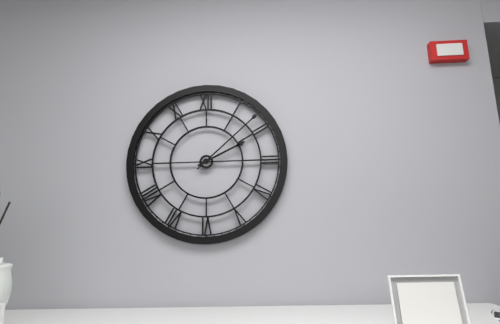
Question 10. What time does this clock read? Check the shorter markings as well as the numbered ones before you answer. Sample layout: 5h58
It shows 2h08
